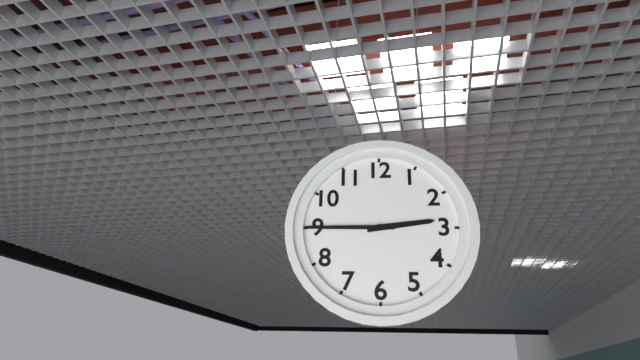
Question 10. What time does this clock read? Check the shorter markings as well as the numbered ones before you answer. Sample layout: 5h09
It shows 2h45
